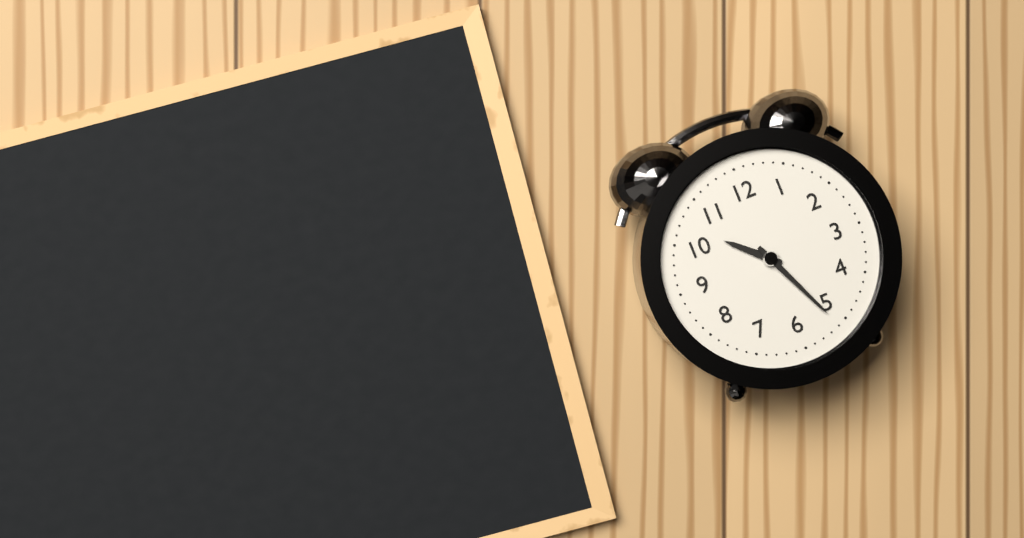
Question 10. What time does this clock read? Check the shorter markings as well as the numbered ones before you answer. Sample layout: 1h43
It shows 10h26
